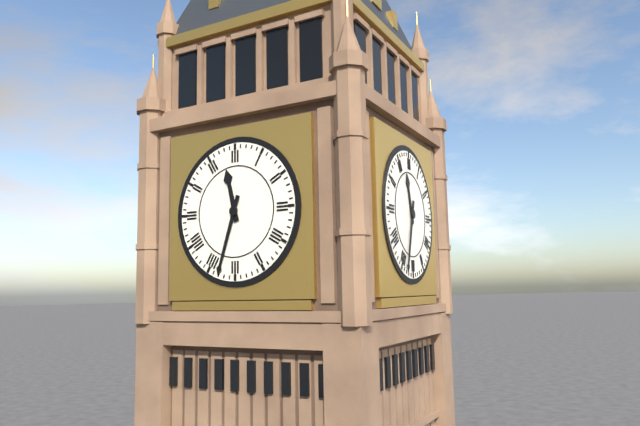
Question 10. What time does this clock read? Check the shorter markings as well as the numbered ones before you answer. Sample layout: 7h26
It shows 11h33
